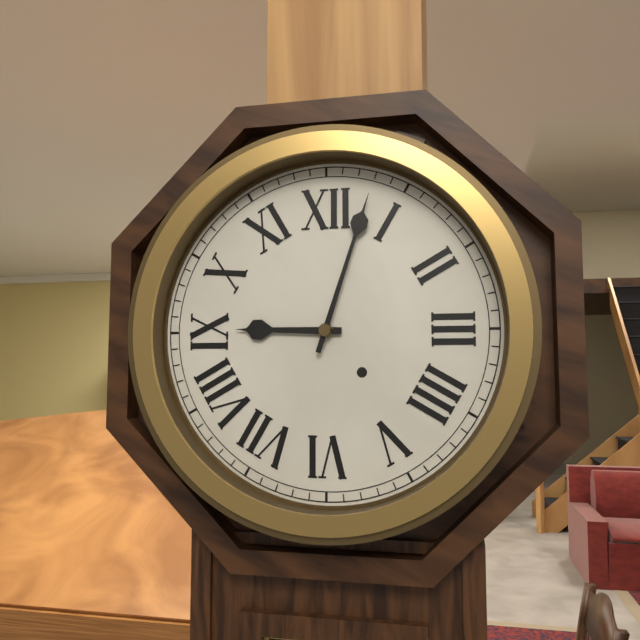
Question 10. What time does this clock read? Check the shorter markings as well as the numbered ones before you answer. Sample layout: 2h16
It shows 9h03
